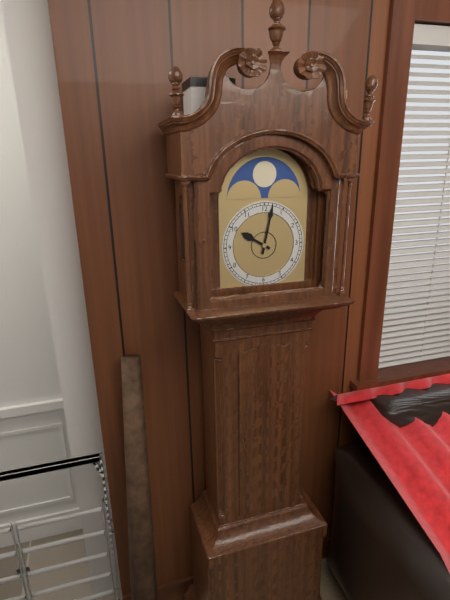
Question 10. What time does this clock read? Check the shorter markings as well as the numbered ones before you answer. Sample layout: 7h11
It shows 10h02
